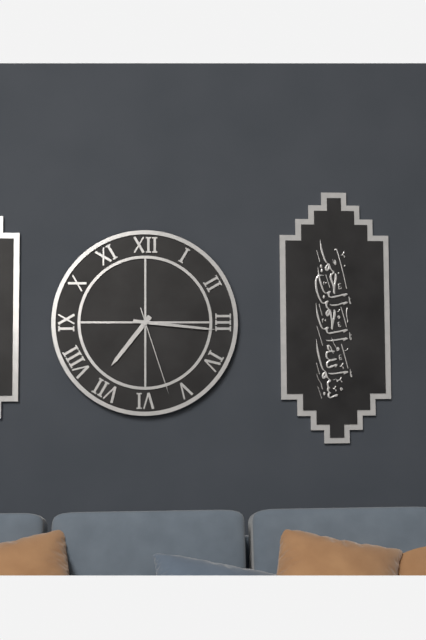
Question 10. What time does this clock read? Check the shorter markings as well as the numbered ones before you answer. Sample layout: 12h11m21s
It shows 7h16m27s
